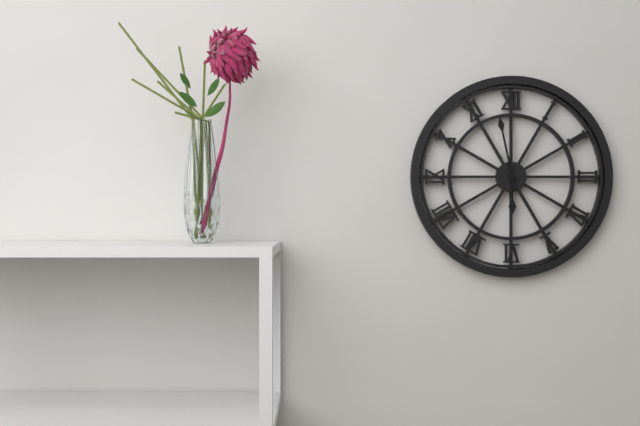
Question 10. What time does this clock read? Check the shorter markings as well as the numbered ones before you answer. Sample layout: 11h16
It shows 5h58
